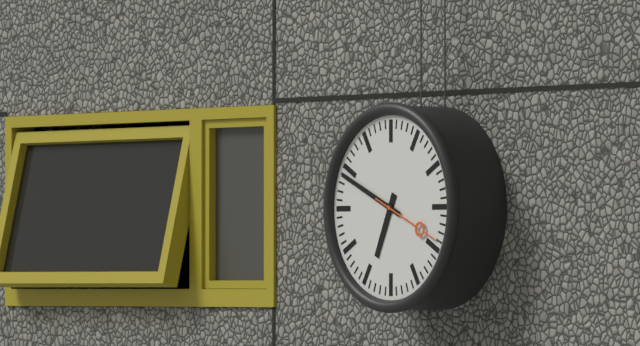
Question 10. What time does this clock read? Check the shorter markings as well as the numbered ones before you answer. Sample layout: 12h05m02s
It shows 6h49m19s
